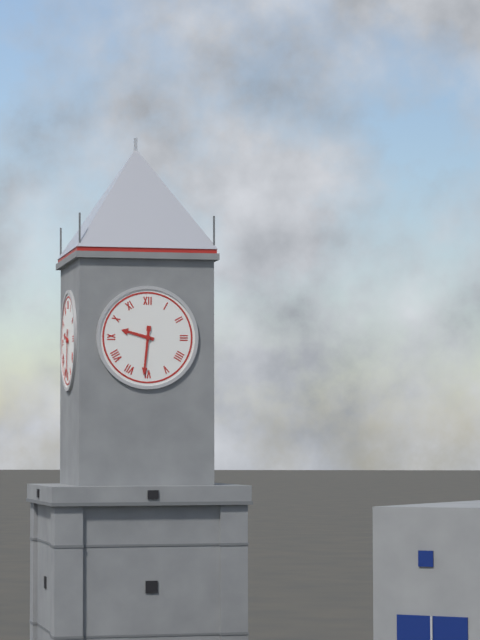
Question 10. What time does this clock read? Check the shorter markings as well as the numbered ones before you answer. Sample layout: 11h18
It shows 9h31
